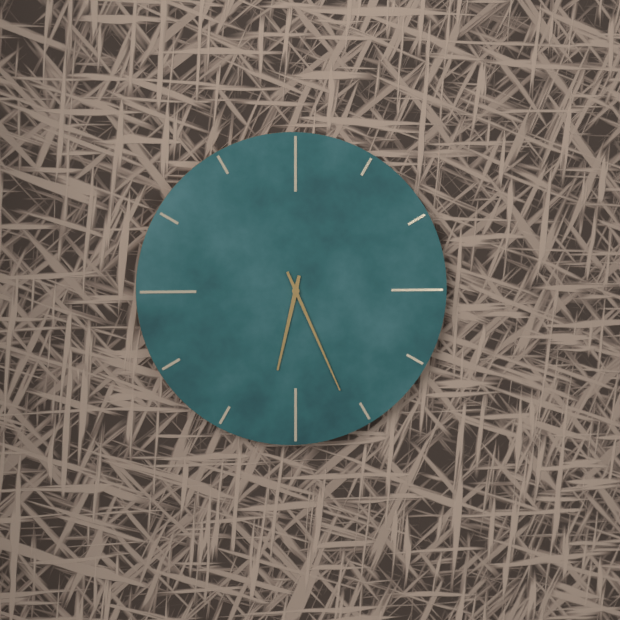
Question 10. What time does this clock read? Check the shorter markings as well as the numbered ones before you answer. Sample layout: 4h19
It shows 6h26
